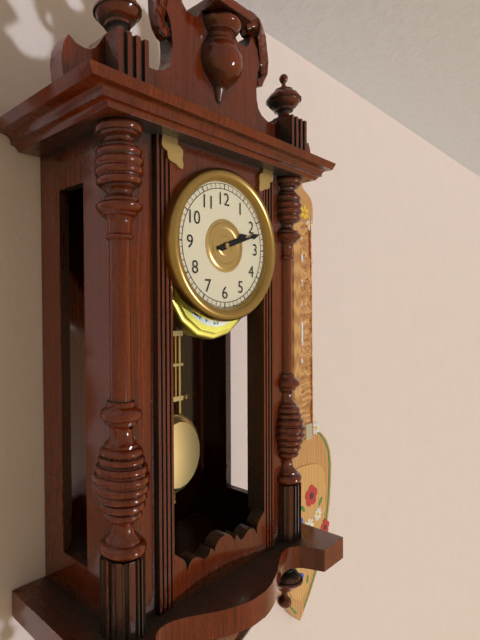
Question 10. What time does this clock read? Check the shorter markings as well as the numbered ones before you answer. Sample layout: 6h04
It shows 2h12
